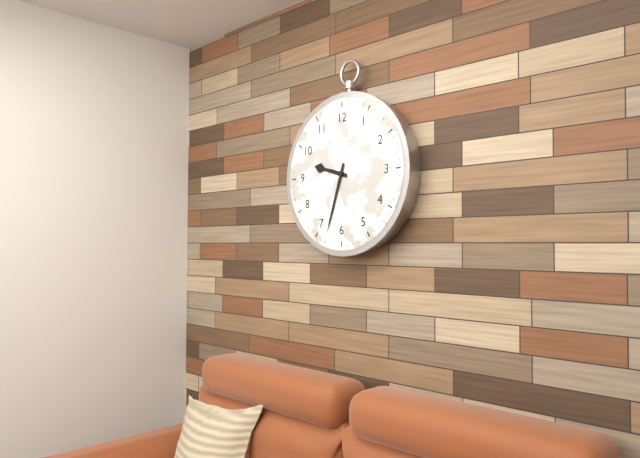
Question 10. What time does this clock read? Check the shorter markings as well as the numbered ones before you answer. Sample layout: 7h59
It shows 9h33
